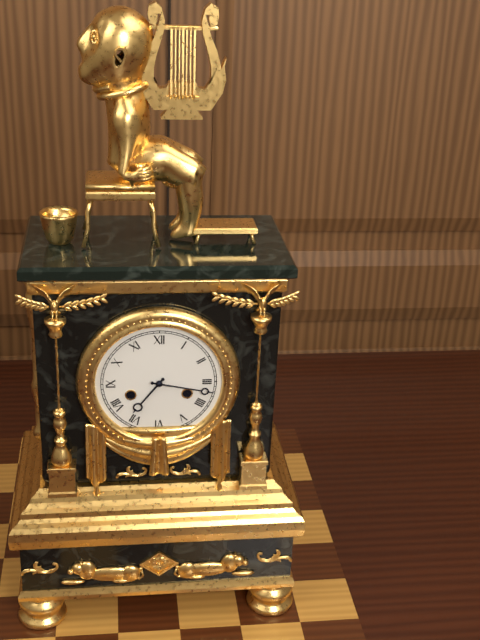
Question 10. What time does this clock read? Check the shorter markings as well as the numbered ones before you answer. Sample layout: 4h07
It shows 7h17
